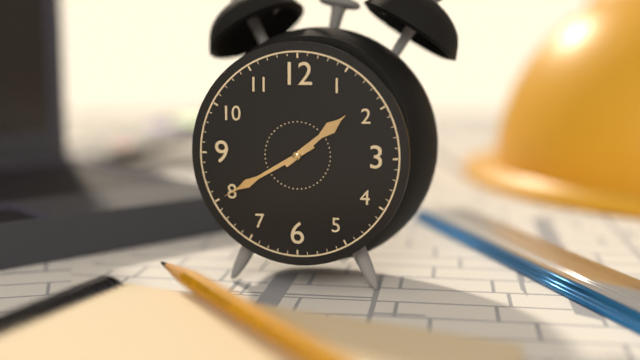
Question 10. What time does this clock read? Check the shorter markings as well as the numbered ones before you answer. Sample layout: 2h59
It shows 1h40
